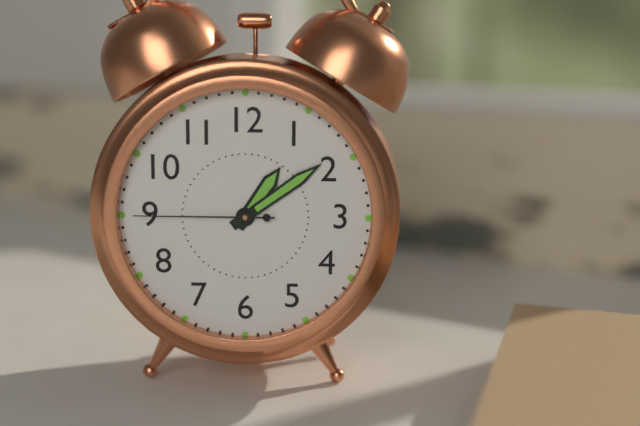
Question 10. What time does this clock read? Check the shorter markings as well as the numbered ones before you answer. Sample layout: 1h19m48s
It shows 1h09m45s
